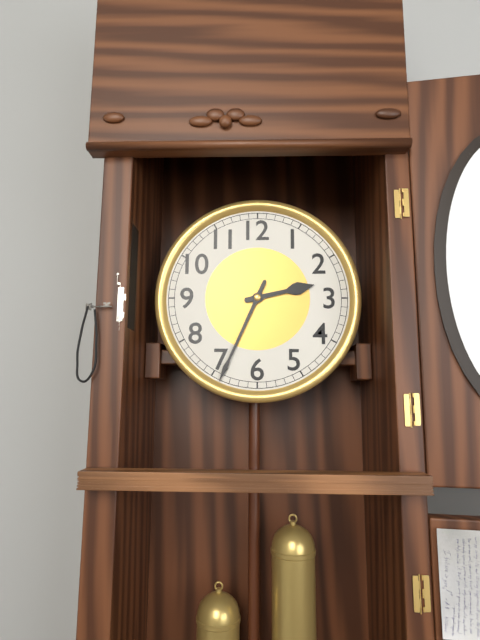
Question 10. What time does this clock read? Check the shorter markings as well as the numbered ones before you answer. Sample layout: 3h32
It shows 2h34
